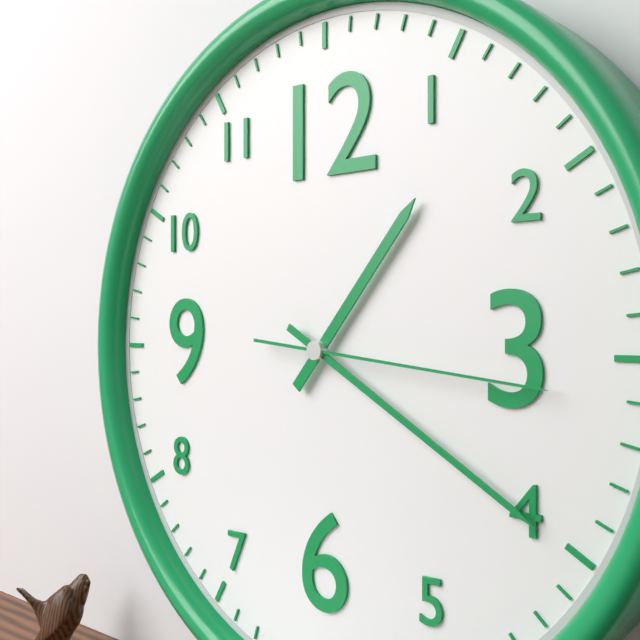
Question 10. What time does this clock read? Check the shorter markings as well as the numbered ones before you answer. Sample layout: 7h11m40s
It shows 1h20m16s
